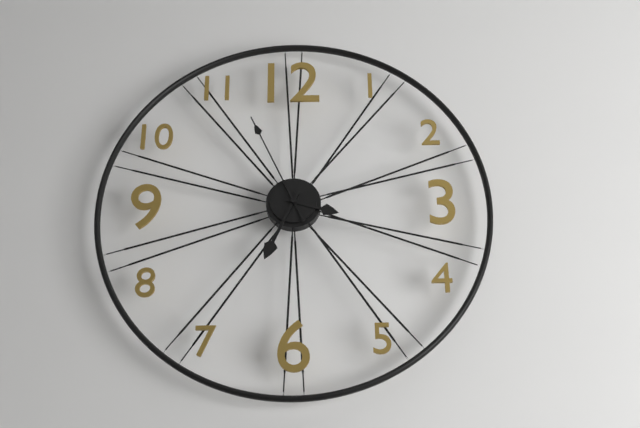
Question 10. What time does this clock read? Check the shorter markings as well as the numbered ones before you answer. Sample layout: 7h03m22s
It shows 3h34m56s
